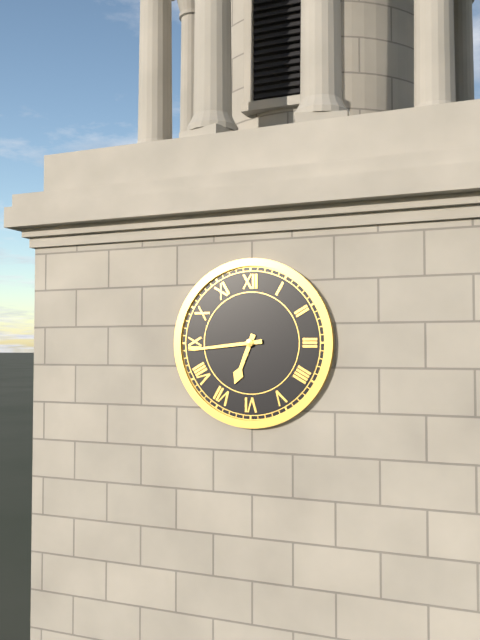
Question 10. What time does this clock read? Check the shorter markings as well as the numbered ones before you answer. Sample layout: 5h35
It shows 6h44
